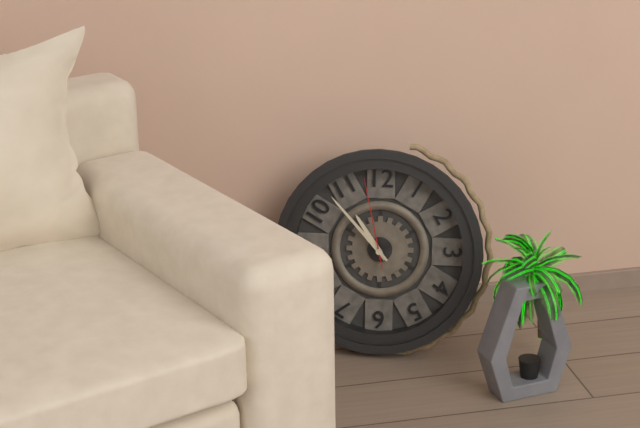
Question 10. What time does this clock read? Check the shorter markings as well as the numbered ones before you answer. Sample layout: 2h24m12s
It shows 10h53m58s
